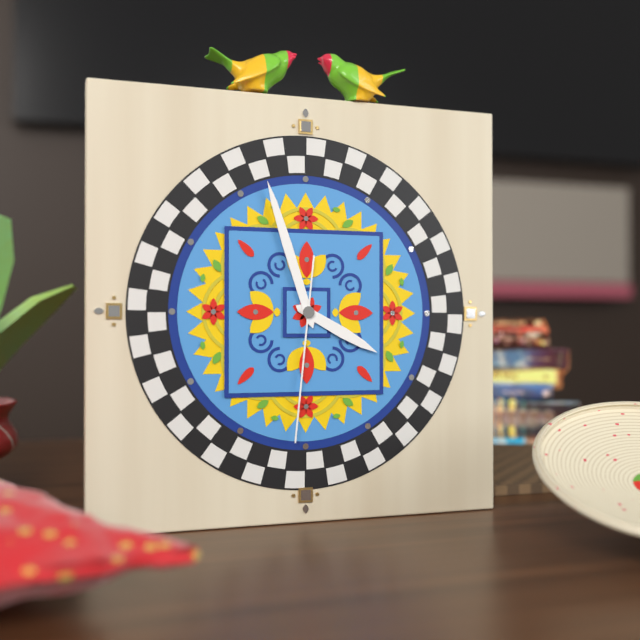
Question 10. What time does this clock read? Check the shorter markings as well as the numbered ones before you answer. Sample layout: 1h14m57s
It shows 3h57m31s
